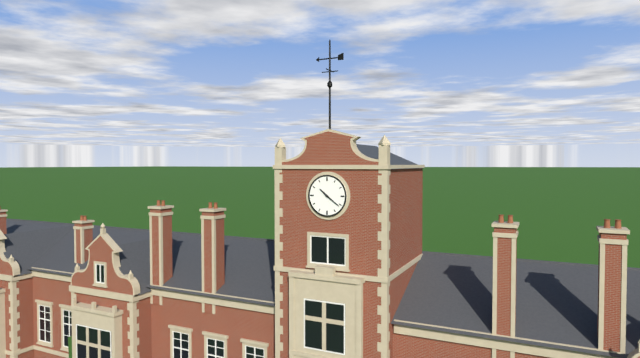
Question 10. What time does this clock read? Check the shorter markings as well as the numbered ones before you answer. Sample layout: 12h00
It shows 10h21
